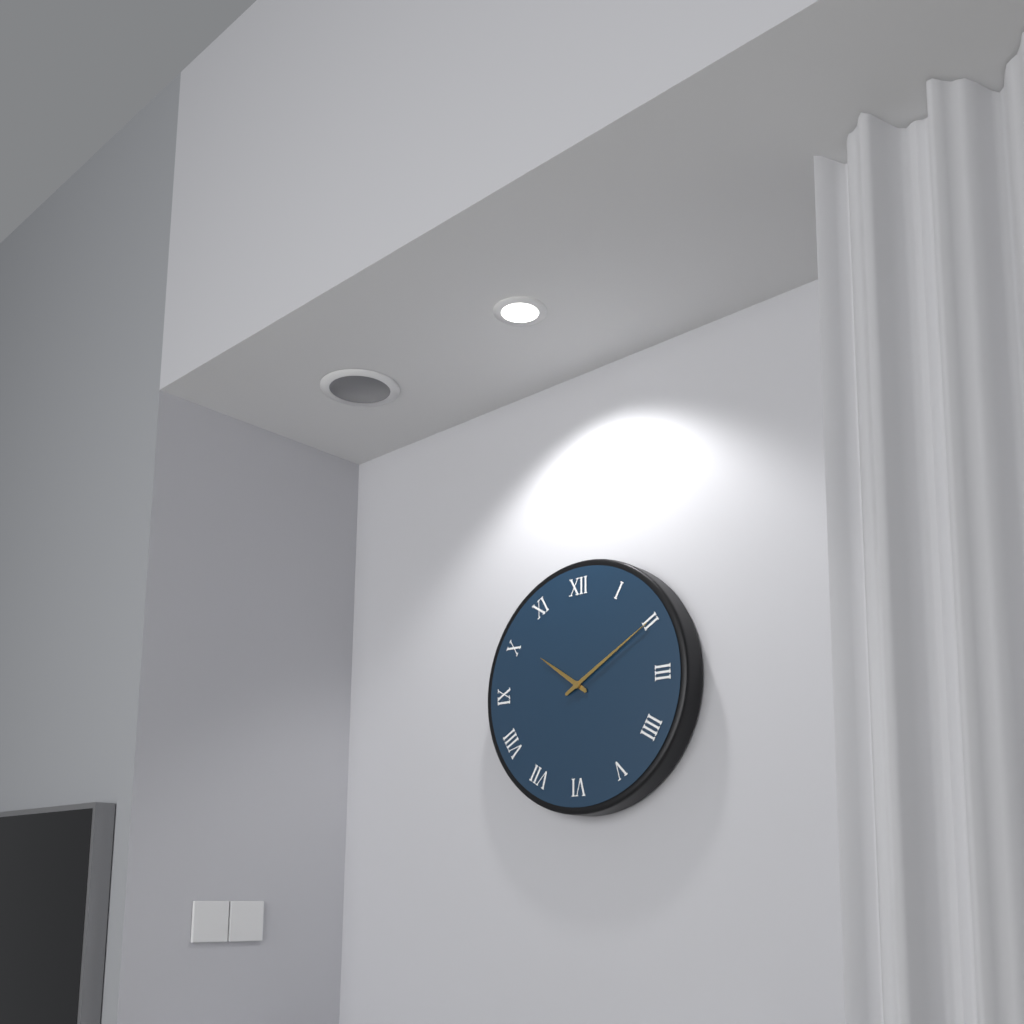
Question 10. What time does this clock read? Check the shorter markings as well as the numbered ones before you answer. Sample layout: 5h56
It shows 10h10
